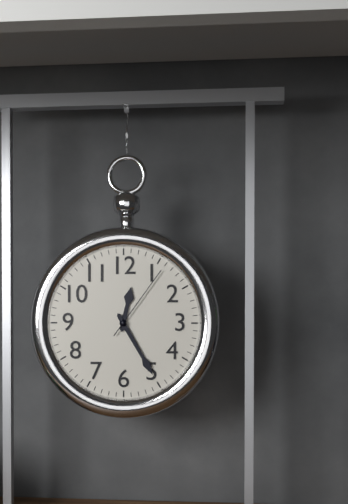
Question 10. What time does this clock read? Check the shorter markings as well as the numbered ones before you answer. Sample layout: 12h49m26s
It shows 12h25m06s
